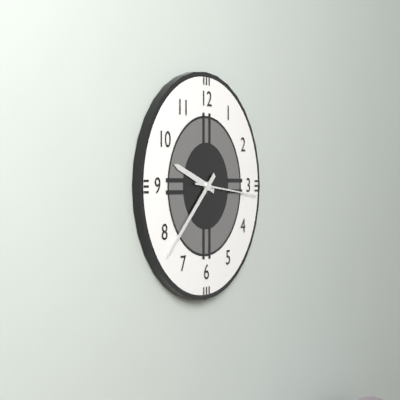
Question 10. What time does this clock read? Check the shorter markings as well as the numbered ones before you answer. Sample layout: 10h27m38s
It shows 9h38m16s
